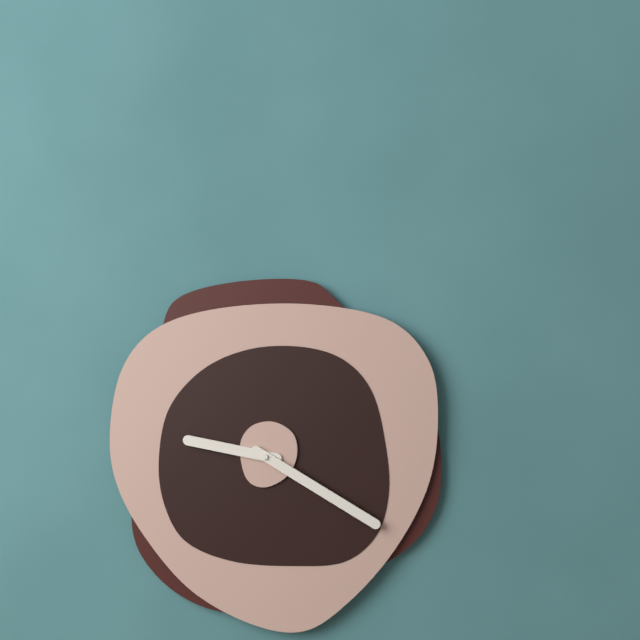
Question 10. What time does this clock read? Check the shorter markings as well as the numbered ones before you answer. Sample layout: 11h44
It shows 9h20
